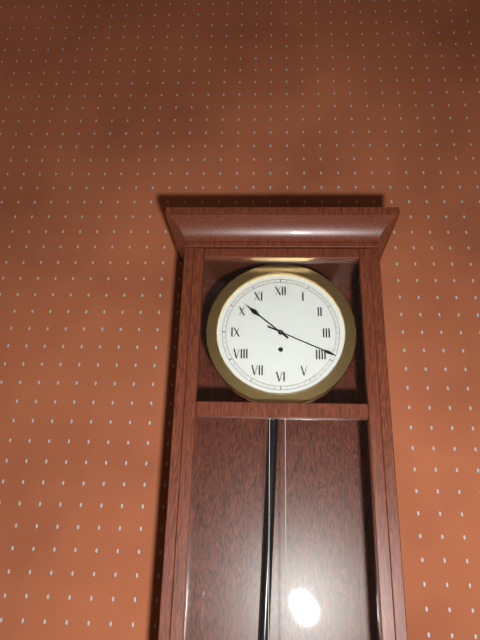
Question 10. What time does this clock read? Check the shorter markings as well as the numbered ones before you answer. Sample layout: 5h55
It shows 10h19
